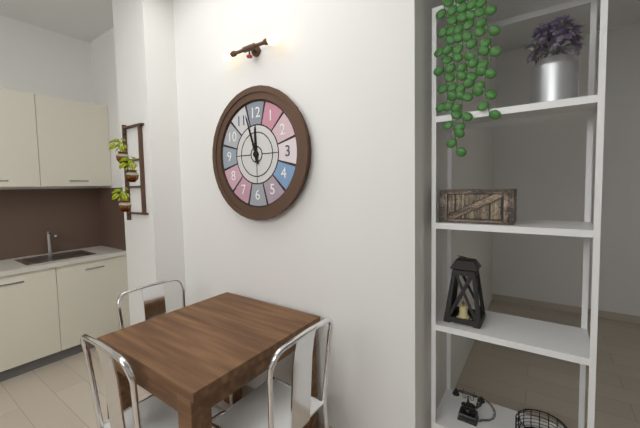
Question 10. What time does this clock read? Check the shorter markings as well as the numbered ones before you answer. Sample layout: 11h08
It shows 11h57
